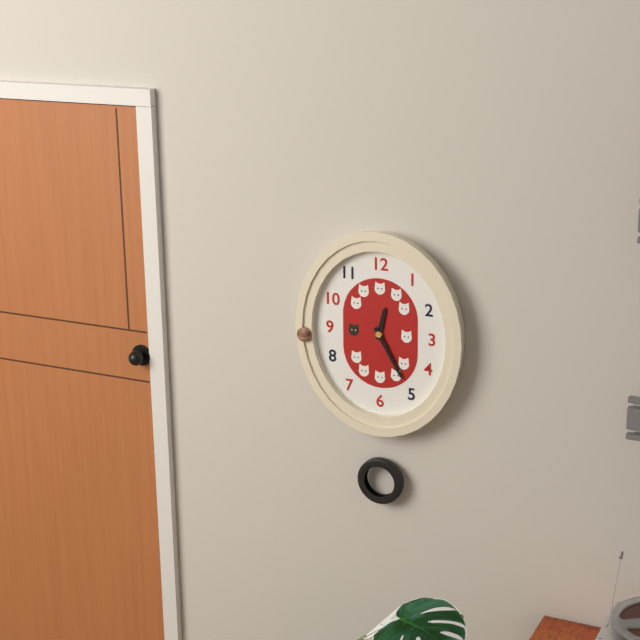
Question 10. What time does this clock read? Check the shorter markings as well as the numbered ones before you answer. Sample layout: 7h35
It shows 12h25
